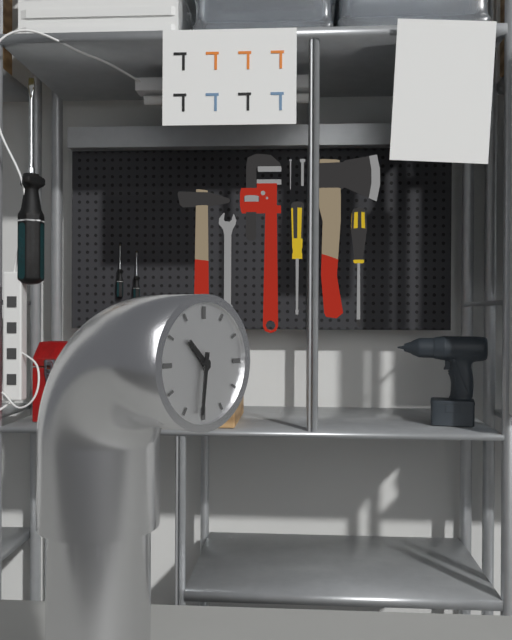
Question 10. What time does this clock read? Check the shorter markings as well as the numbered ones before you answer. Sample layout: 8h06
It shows 10h31
